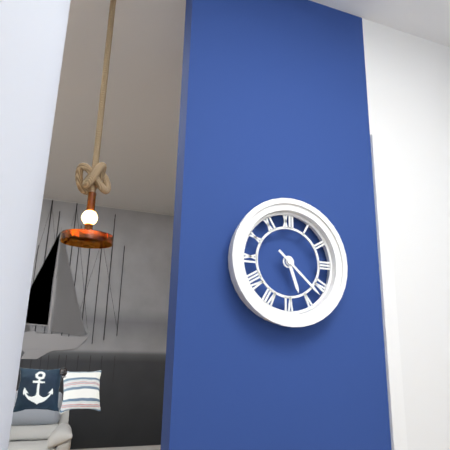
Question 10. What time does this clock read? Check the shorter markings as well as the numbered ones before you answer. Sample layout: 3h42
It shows 5h22
